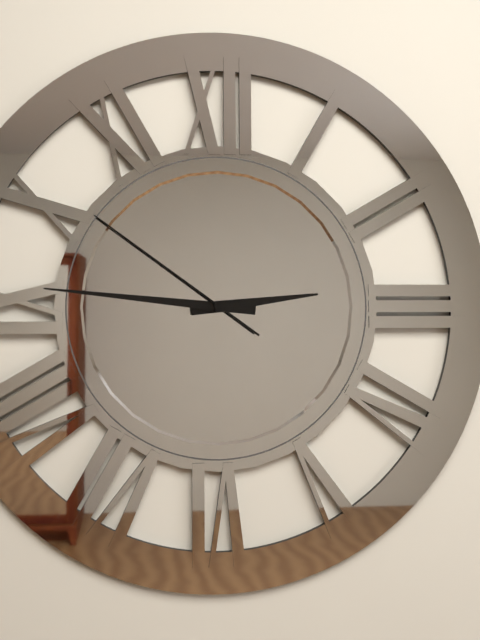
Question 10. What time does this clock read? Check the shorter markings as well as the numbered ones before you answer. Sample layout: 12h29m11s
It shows 2h46m51s
